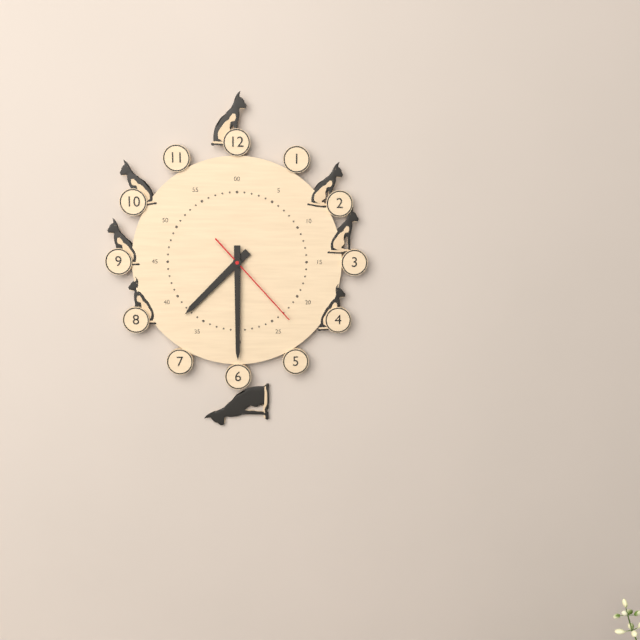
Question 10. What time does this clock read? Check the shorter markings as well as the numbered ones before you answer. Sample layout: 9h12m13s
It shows 7h30m23s
